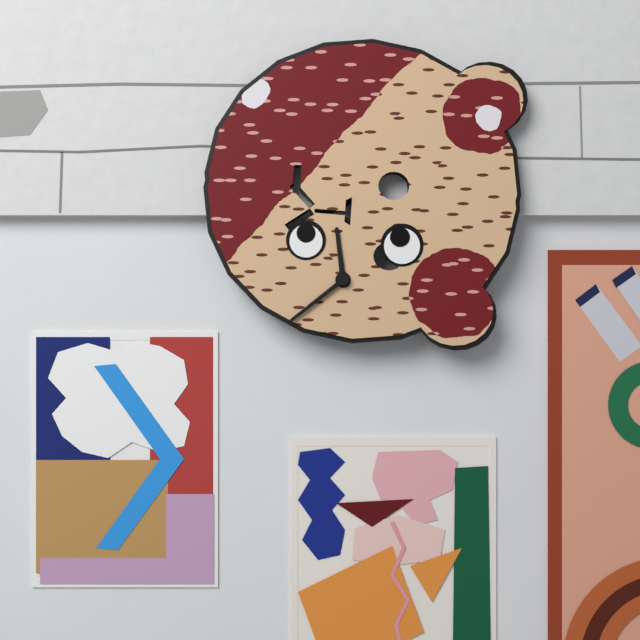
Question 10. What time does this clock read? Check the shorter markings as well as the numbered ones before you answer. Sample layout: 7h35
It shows 11h38
